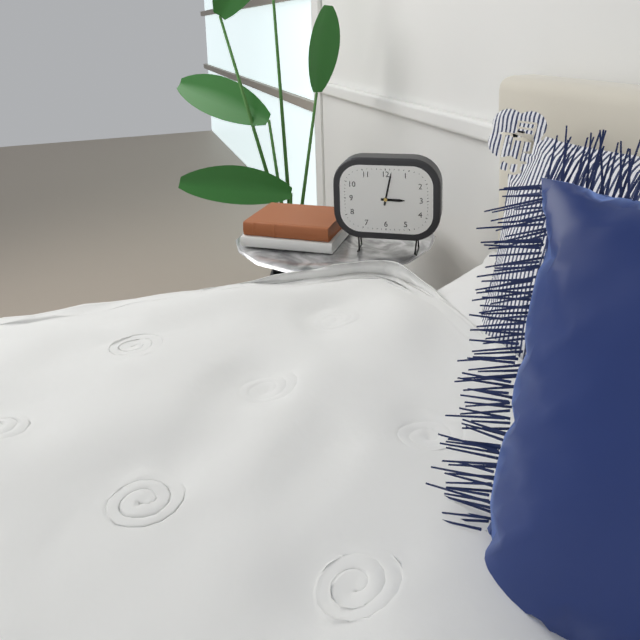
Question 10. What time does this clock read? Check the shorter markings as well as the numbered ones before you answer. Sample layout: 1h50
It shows 3h02
